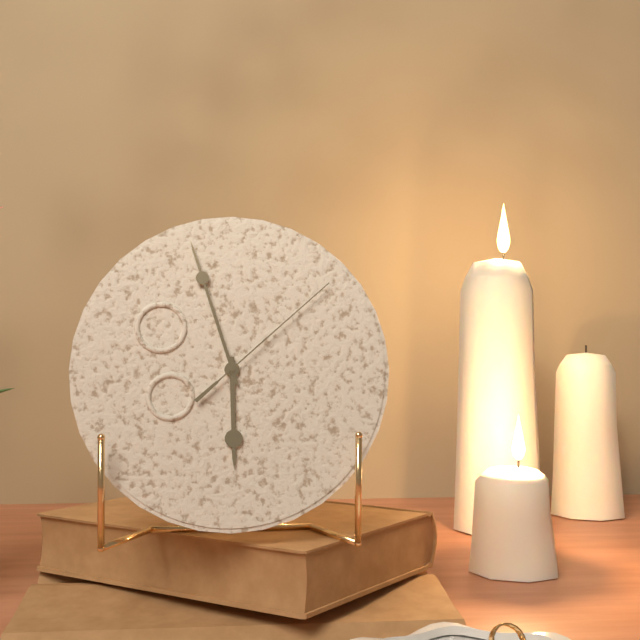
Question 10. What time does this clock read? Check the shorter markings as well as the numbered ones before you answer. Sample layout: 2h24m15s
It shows 5h57m08s
